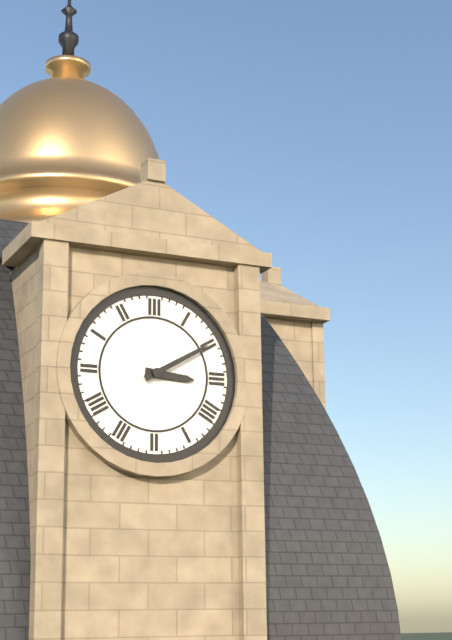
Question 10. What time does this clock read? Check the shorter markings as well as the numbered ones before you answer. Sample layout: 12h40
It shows 3h10
